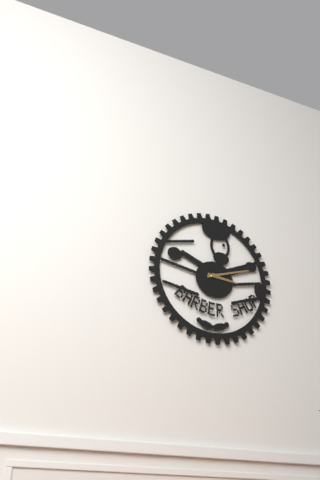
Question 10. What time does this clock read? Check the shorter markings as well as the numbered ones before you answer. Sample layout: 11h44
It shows 3h12
